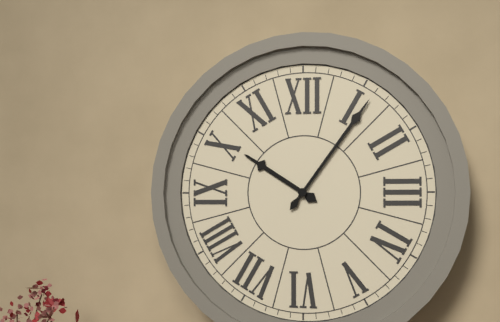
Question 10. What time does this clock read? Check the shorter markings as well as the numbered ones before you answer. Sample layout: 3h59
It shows 10h06
